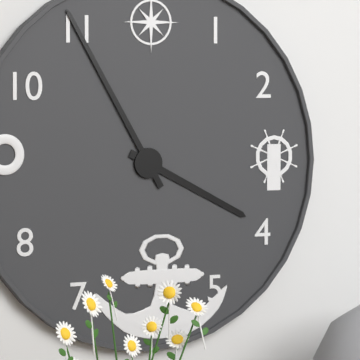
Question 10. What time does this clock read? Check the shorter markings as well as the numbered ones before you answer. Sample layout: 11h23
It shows 3h55
